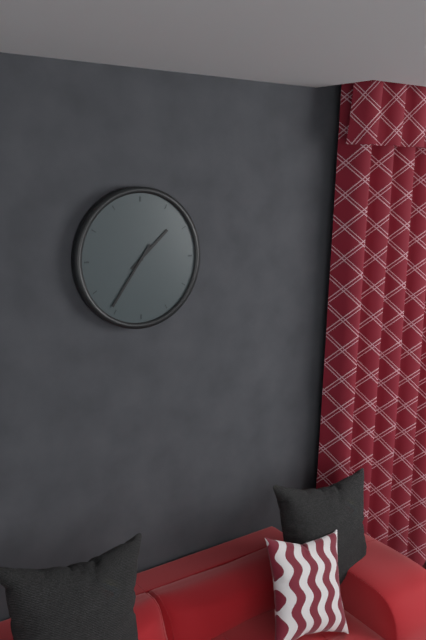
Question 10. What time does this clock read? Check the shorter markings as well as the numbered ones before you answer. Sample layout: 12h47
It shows 1h36
